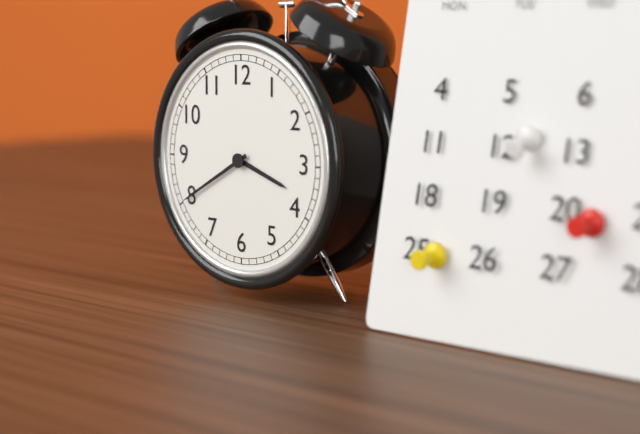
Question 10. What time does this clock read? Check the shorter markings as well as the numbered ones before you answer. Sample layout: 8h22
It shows 3h40
